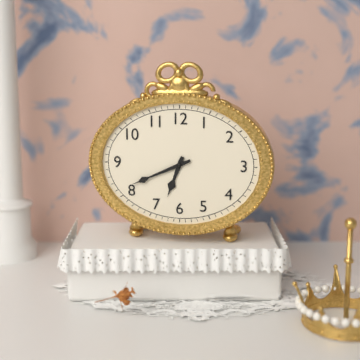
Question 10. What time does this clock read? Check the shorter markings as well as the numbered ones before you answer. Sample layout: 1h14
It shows 6h41
